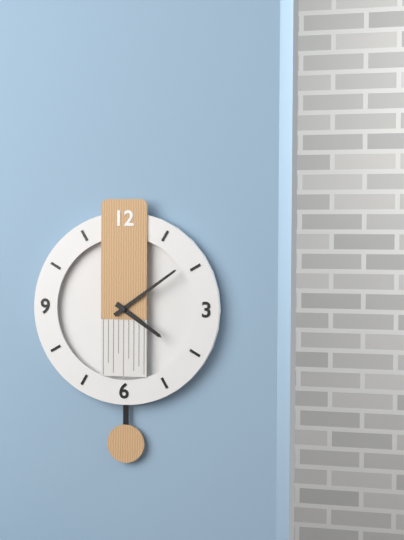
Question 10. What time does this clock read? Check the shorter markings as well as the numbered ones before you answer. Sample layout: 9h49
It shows 4h09
